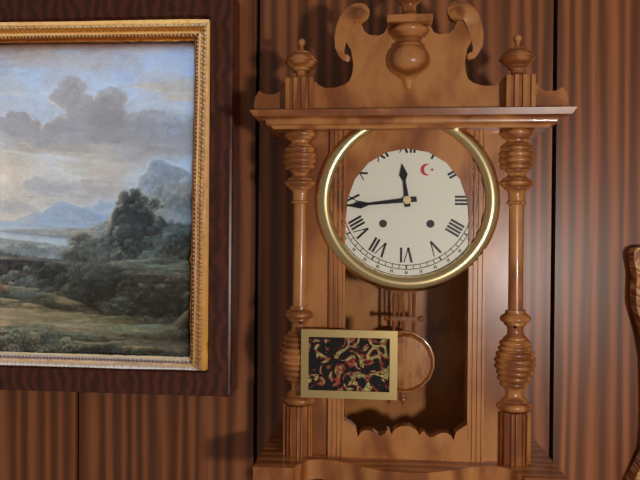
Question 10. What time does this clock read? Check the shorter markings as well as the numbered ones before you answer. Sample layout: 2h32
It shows 11h44
